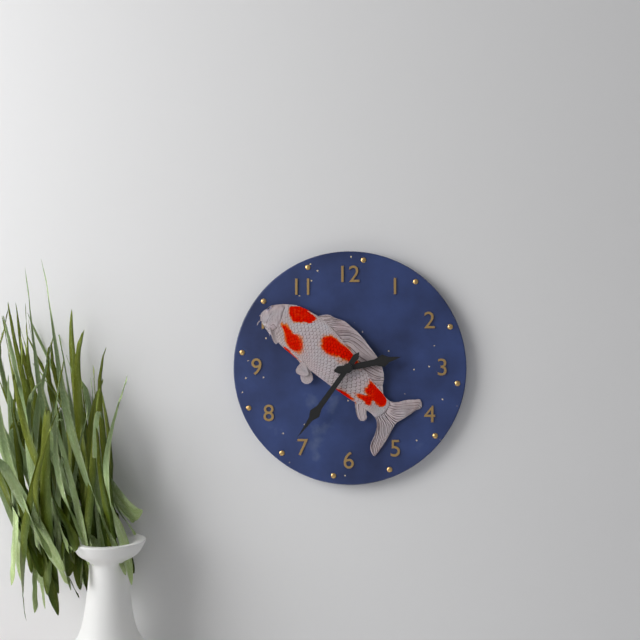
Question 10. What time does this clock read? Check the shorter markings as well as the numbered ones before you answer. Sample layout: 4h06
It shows 2h36
